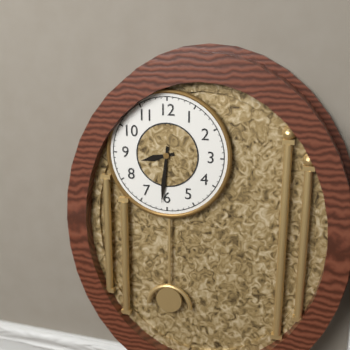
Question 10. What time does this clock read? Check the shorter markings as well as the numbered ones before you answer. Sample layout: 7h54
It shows 8h31
